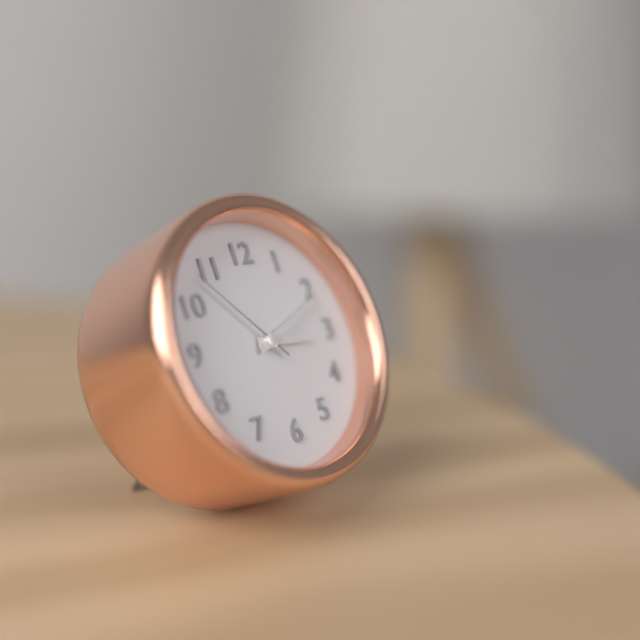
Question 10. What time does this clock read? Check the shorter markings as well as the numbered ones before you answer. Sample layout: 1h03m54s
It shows 3h11m53s
